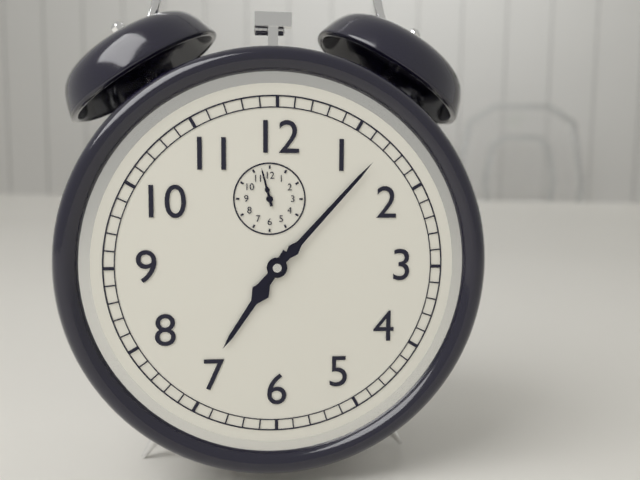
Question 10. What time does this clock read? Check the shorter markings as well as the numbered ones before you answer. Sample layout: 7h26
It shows 7h07
